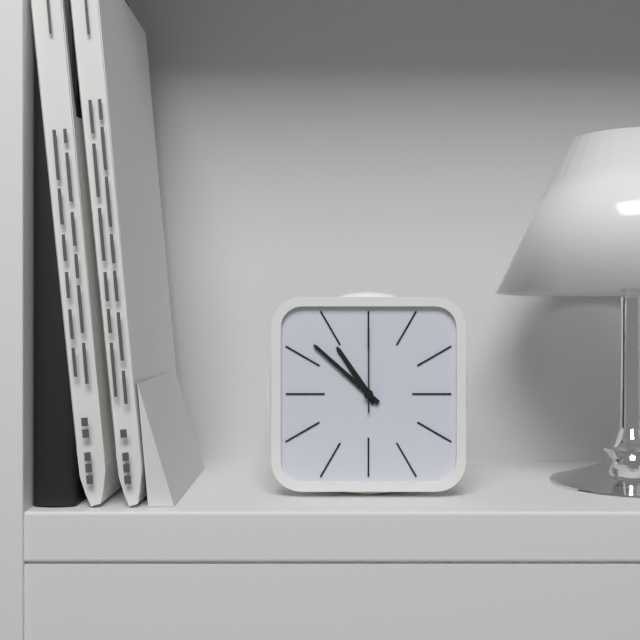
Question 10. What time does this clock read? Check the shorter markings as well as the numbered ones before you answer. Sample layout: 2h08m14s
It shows 10h52m00s
